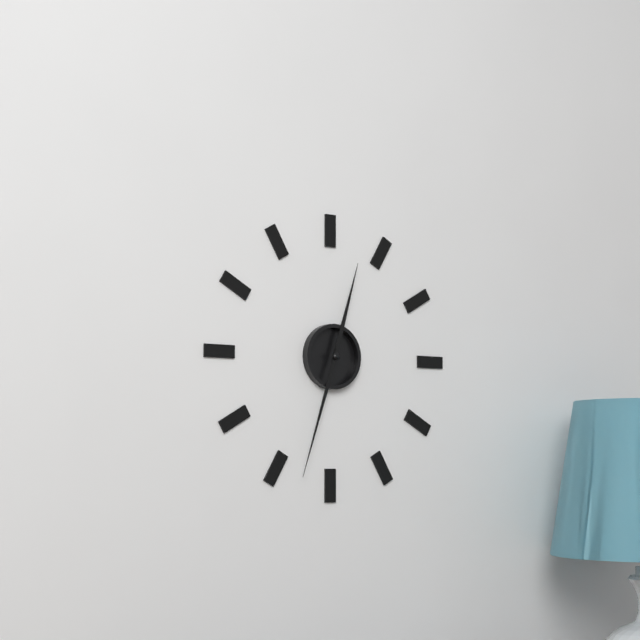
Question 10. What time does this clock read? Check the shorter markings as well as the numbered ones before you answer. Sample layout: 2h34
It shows 12h33
